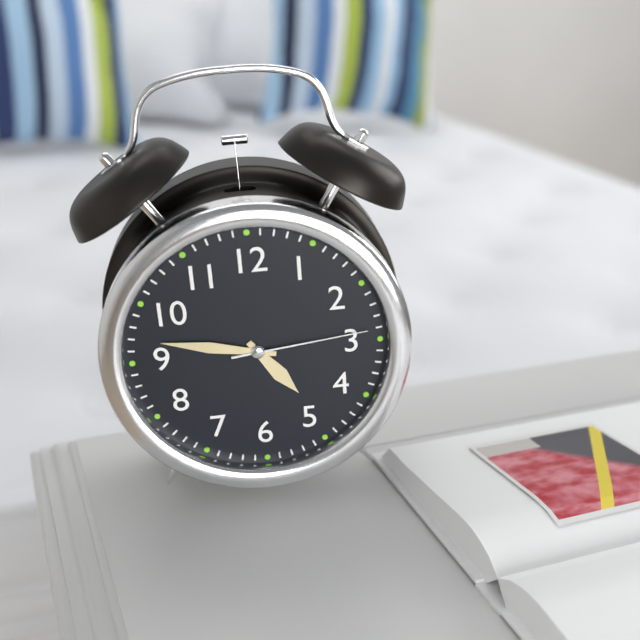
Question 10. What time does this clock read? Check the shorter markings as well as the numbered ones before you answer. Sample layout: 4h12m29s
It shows 4h47m14s
